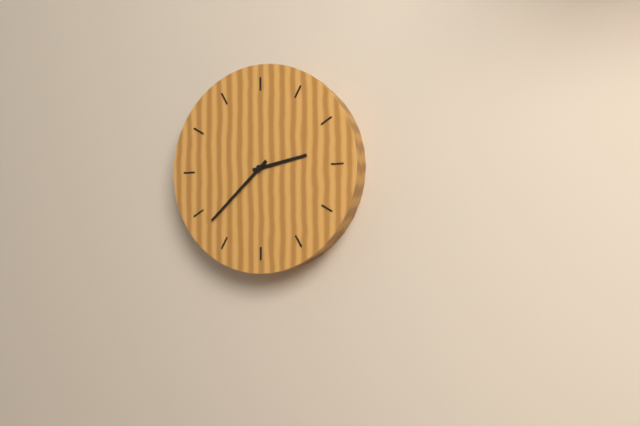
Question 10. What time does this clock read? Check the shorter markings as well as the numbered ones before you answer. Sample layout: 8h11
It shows 2h38
